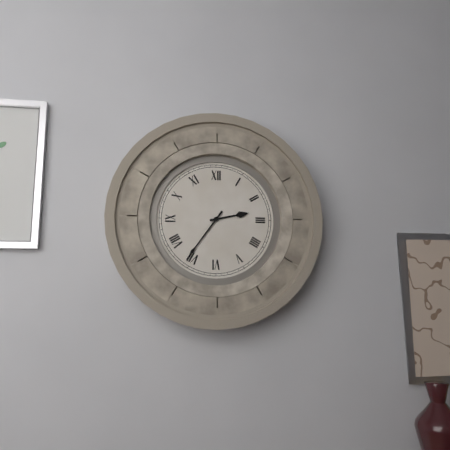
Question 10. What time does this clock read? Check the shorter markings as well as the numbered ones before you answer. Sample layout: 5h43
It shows 2h36
